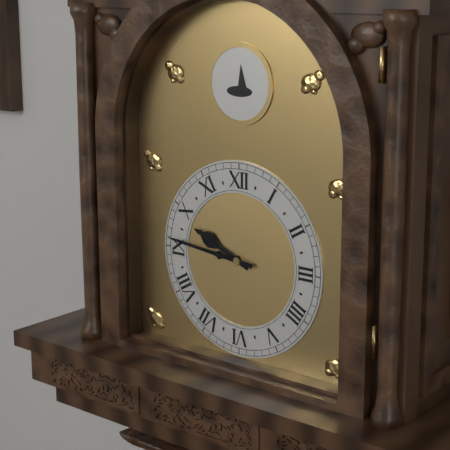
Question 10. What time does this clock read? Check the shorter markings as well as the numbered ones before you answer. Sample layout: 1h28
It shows 9h46
